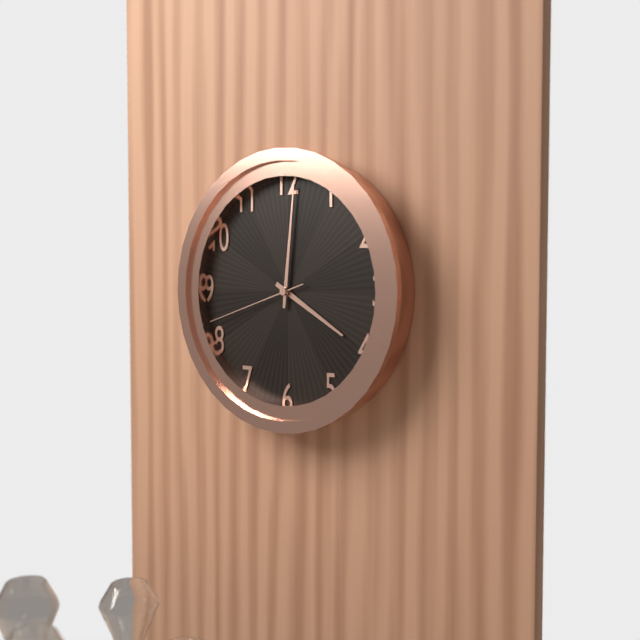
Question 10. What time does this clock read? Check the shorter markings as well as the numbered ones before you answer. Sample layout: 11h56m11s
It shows 4h01m42s
